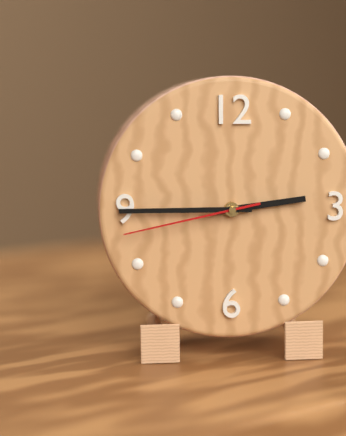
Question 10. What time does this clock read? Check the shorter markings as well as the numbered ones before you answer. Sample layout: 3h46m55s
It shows 2h45m43s
